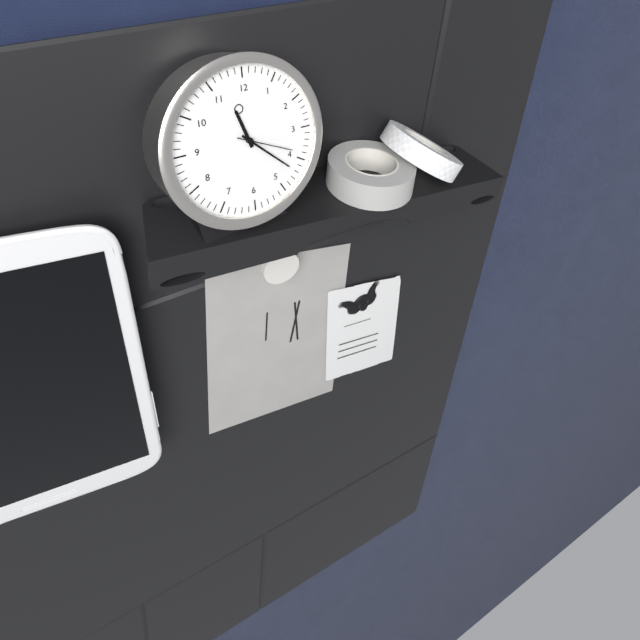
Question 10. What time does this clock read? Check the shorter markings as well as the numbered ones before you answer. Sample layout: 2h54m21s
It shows 11h22m19s
